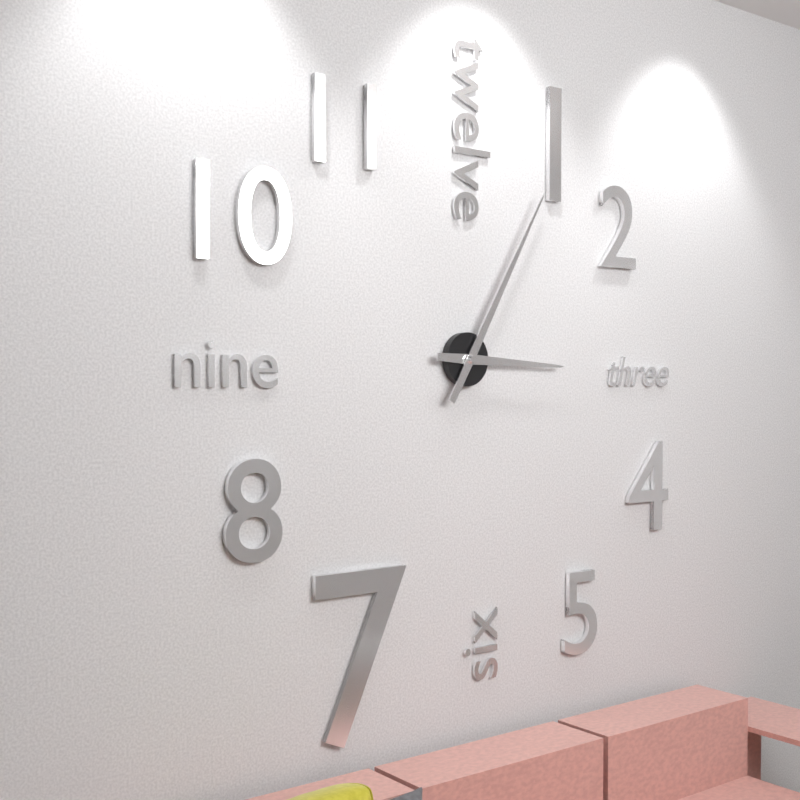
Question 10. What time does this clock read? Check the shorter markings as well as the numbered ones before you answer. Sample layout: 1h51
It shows 3h05
